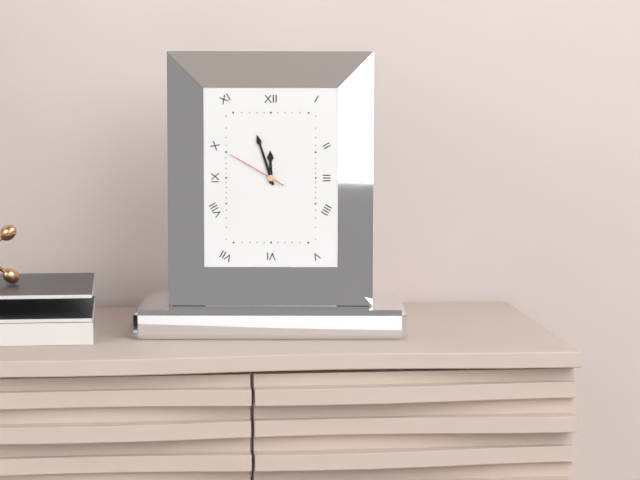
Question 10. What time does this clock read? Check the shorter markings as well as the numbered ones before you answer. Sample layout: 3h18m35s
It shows 11h57m50s
